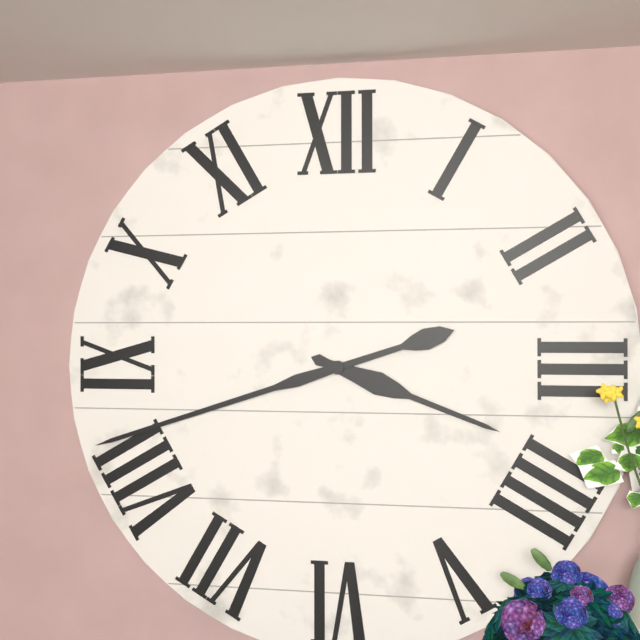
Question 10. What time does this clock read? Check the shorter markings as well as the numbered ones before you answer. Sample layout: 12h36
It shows 3h42
